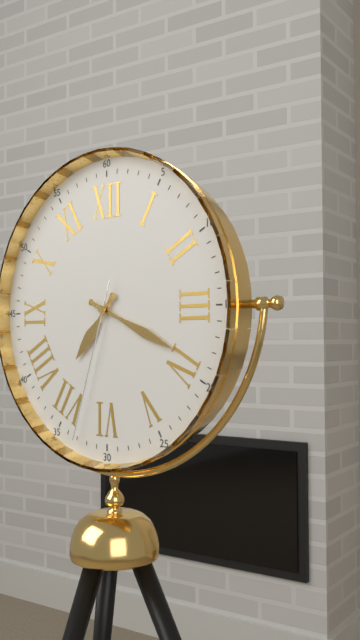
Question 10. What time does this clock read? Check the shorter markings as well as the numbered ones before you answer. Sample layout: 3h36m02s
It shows 7h19m33s
